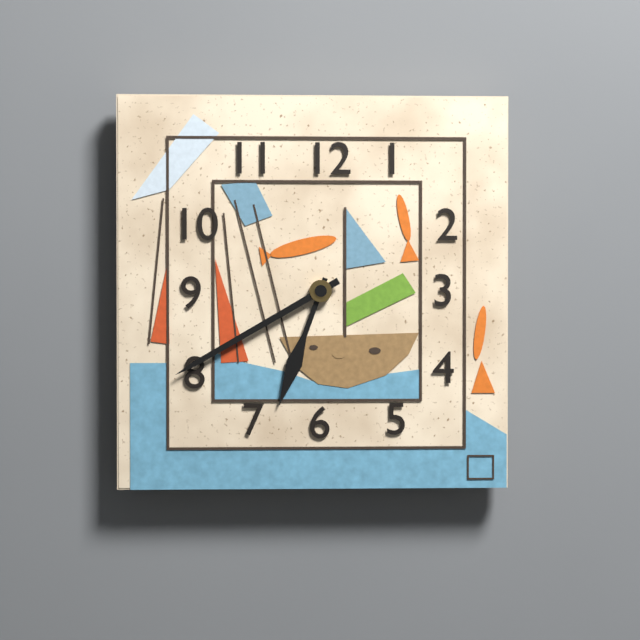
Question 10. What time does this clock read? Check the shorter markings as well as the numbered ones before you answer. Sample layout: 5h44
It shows 6h40
